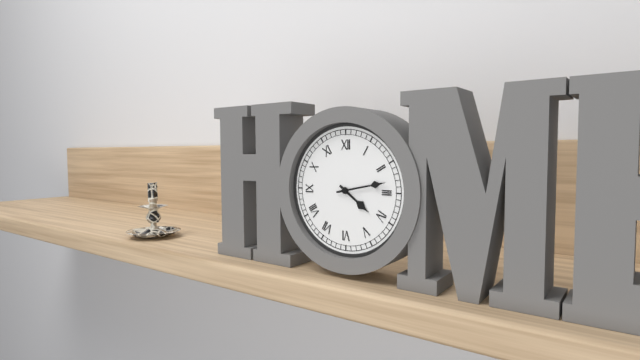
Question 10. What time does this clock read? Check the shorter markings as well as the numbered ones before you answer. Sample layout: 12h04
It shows 4h13
